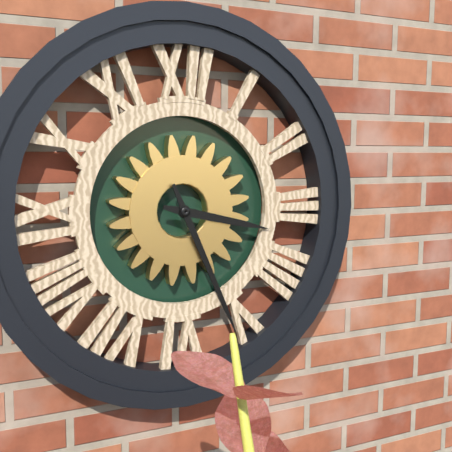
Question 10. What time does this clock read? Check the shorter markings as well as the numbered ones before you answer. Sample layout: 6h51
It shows 3h26
